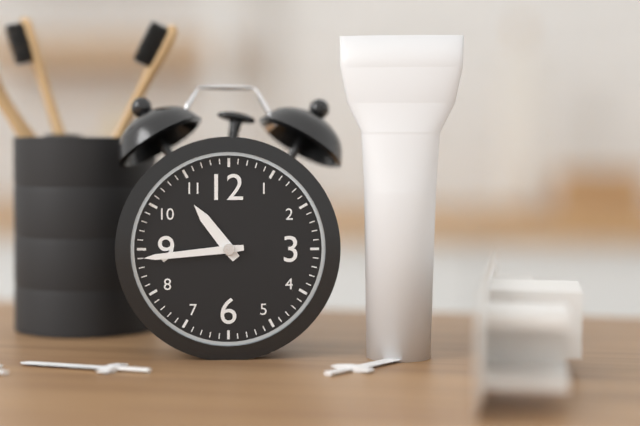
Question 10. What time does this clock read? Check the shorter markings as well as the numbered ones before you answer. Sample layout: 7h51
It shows 10h44
